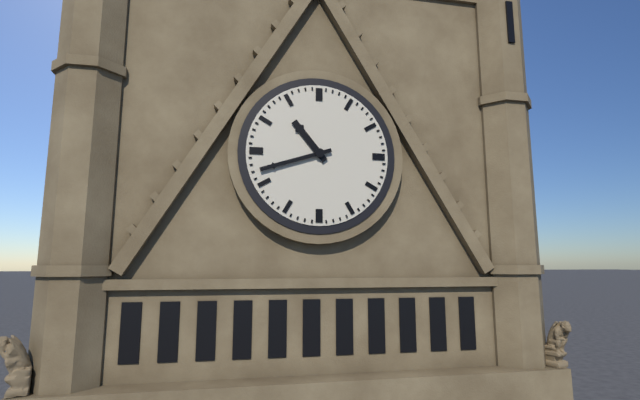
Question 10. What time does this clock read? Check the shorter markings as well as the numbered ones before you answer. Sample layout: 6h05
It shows 10h42
